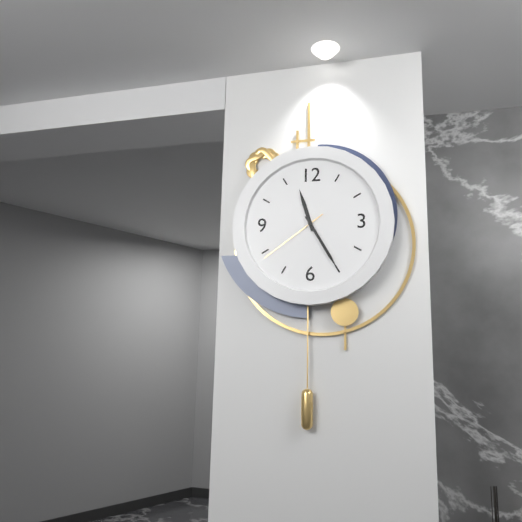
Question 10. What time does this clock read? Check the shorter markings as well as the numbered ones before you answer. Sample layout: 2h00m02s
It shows 11h25m39s
